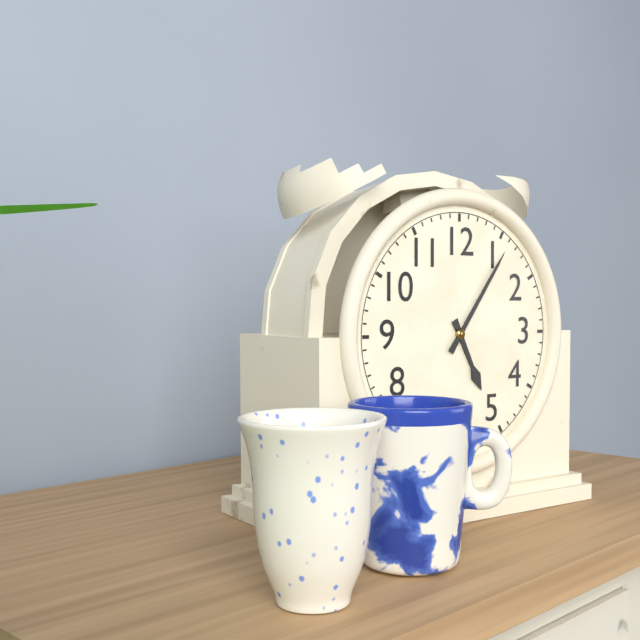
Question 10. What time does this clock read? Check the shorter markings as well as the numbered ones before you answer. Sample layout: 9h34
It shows 5h06
